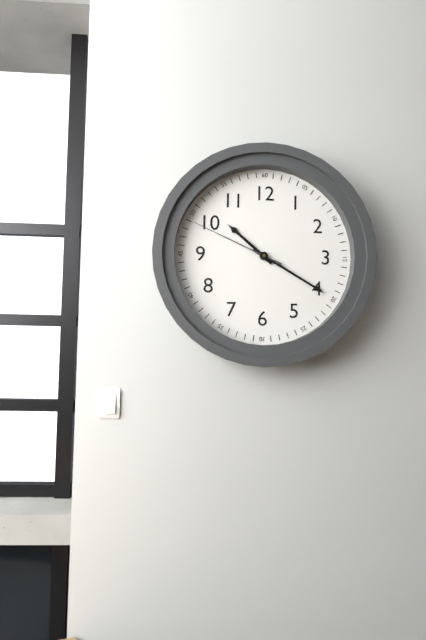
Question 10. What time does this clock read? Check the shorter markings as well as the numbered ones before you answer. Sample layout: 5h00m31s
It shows 10h20m49s
